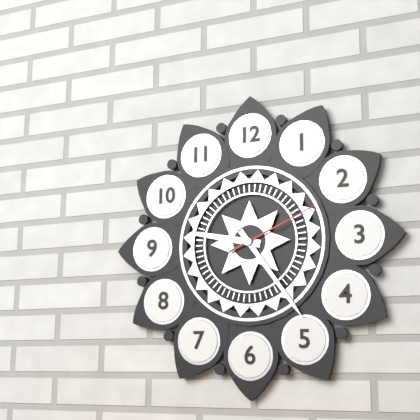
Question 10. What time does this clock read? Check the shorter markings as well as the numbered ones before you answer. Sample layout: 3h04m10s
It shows 9h24m11s
